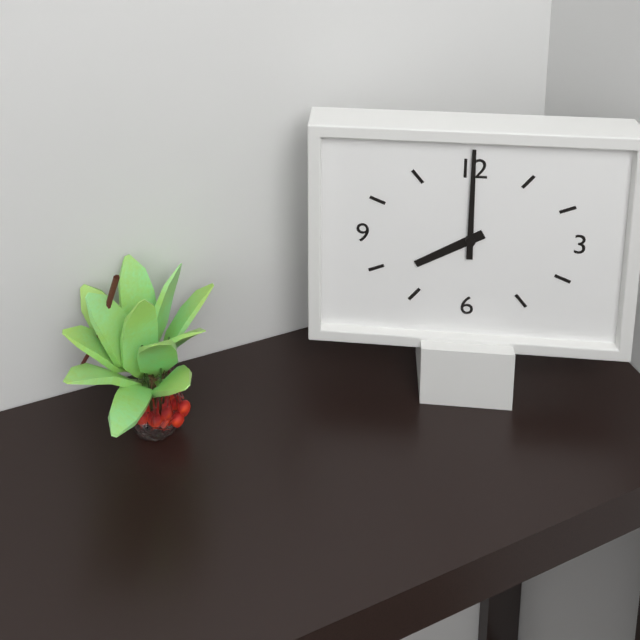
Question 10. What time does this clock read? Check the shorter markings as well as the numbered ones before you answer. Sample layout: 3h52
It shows 8h00
